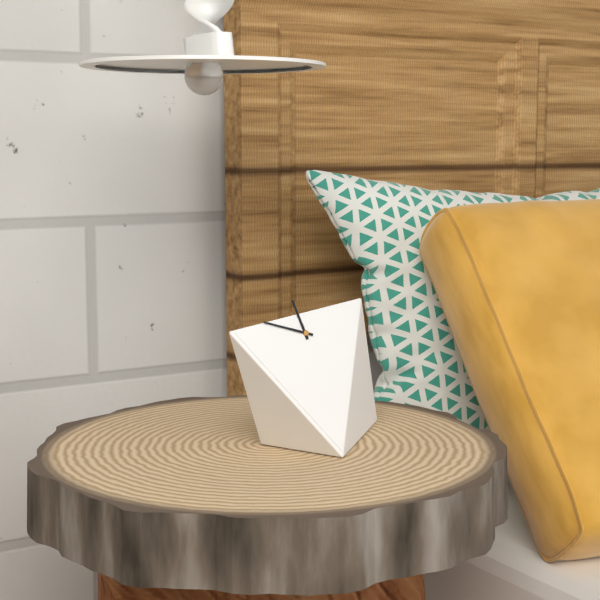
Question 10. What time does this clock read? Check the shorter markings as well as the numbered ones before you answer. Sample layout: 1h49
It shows 11h49
